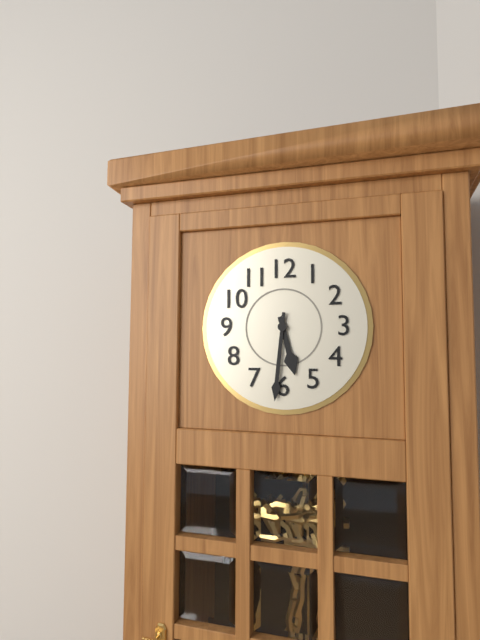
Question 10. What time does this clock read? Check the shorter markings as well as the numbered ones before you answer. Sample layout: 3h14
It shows 5h31
